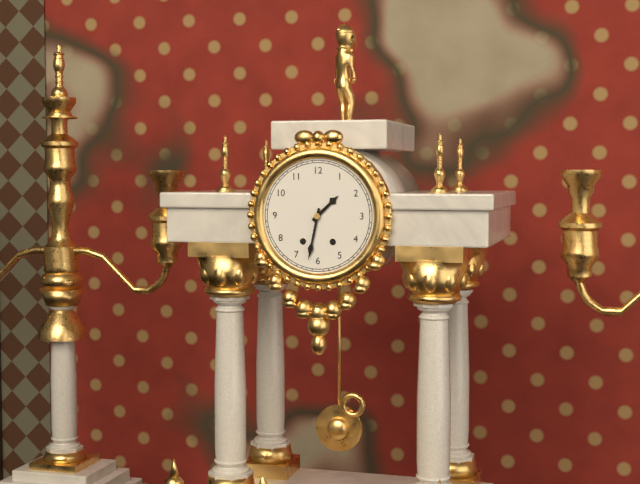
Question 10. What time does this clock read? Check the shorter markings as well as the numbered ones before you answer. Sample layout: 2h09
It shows 1h32
